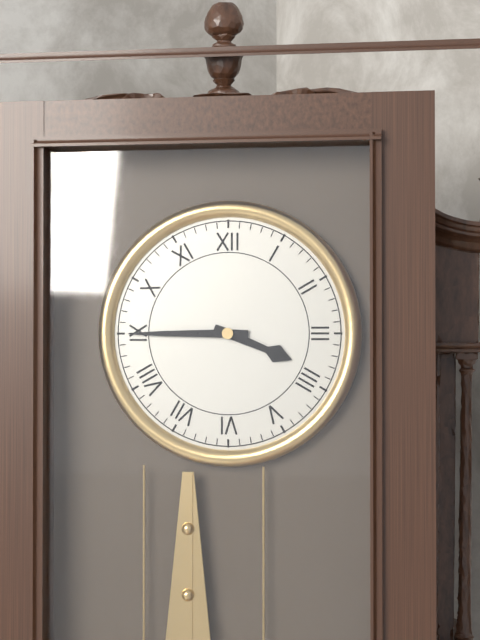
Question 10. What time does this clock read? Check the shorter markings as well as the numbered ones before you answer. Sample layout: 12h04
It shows 3h45
